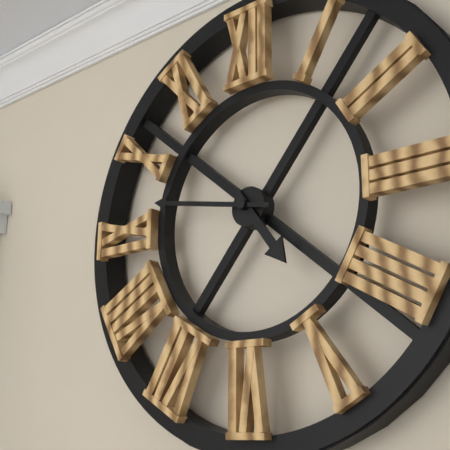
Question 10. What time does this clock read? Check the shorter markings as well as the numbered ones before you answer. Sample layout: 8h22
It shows 4h47
